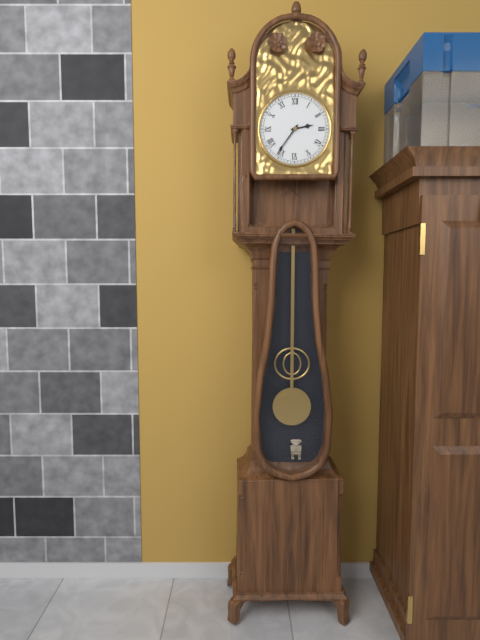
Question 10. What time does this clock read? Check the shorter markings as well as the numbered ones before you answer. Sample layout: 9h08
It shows 2h36
